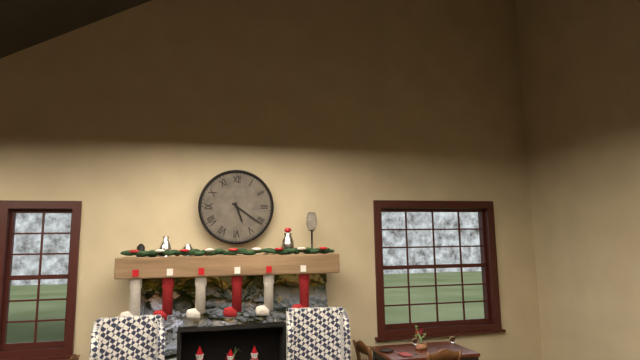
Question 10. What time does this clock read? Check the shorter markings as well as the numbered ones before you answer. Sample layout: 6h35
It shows 5h21
